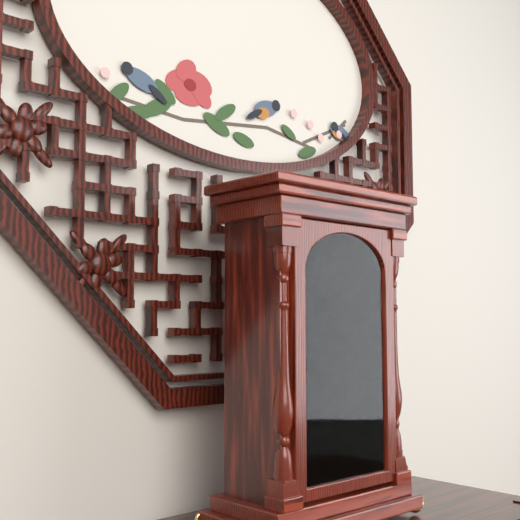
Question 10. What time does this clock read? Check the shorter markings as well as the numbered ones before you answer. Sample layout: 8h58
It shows 4h59
